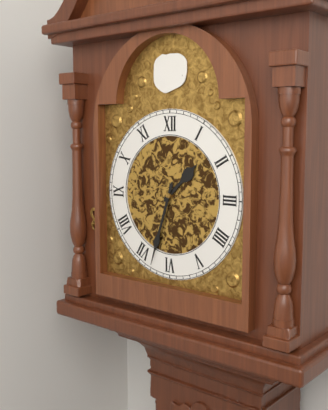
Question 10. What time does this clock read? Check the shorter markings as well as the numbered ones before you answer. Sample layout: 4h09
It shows 1h33
